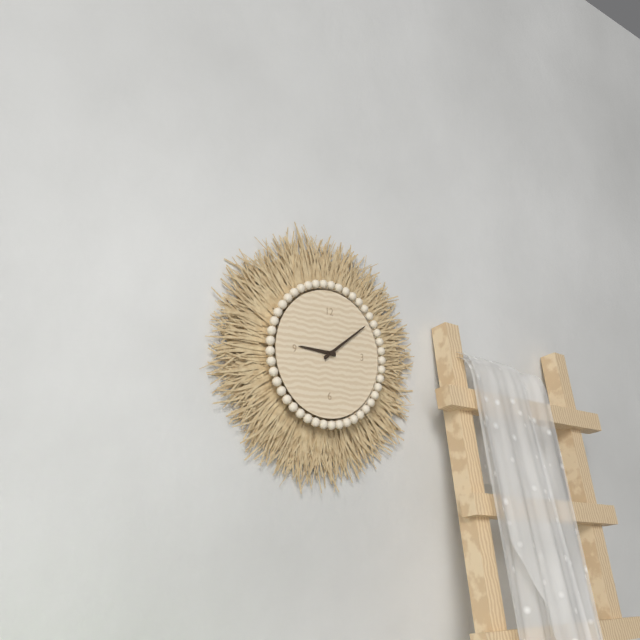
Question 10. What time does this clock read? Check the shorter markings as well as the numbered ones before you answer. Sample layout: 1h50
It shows 9h09
